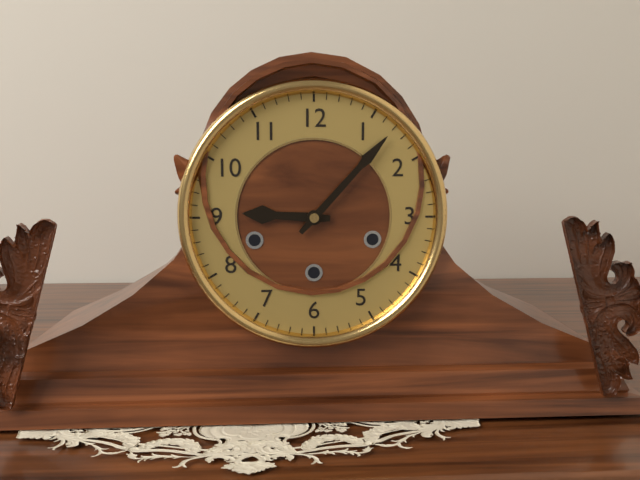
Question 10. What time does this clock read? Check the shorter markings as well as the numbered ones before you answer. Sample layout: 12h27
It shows 9h07
